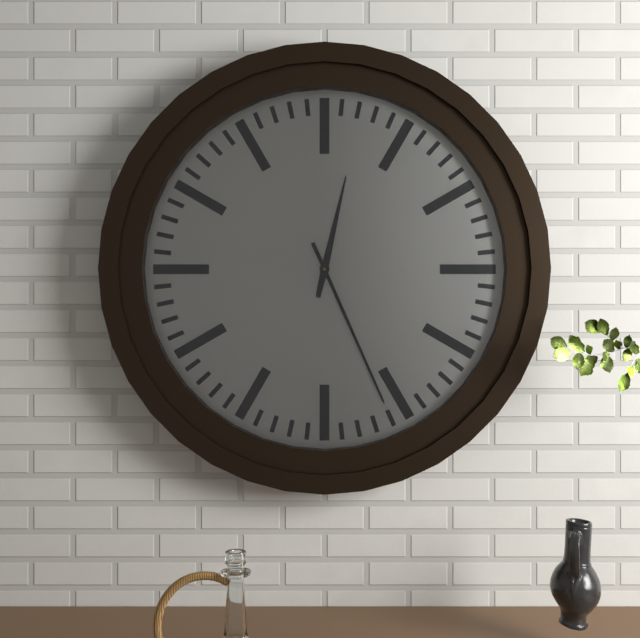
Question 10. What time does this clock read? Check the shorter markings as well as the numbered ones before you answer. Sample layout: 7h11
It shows 12h26
